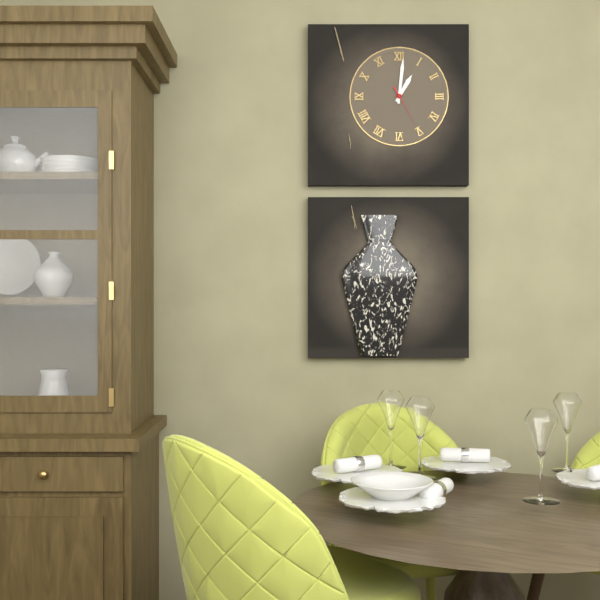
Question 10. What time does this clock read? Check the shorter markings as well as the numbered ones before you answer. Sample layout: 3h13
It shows 1h01
